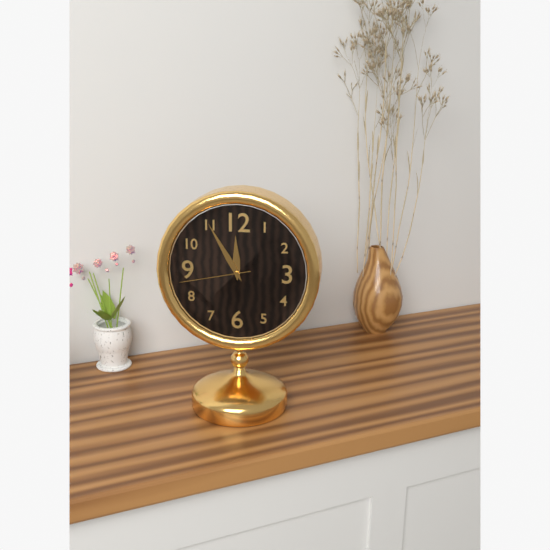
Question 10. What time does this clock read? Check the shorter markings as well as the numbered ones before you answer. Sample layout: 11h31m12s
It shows 11h55m43s
